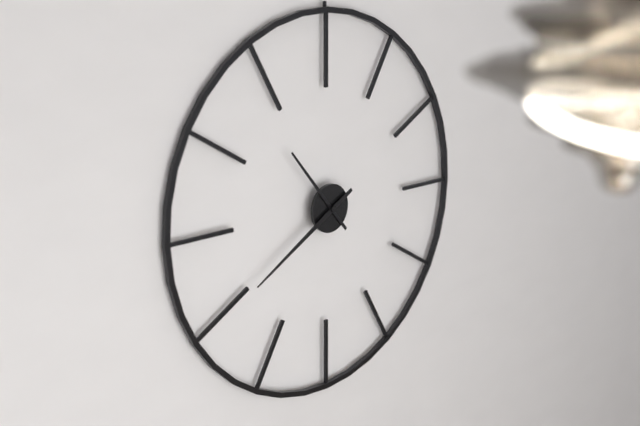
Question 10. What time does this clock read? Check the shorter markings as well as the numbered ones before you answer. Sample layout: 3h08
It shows 10h40
